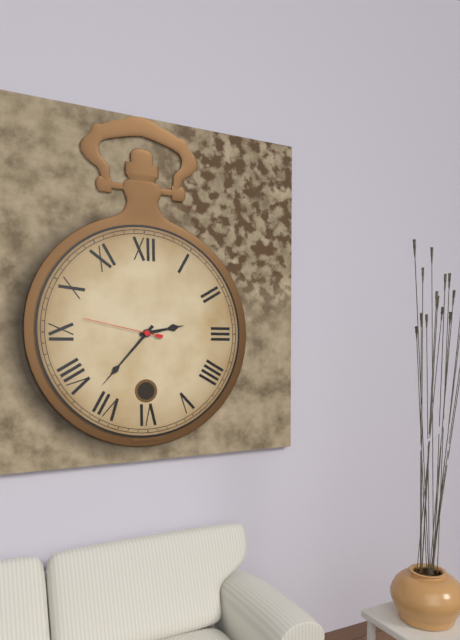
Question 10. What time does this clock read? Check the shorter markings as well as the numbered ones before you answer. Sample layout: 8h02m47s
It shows 2h37m47s
